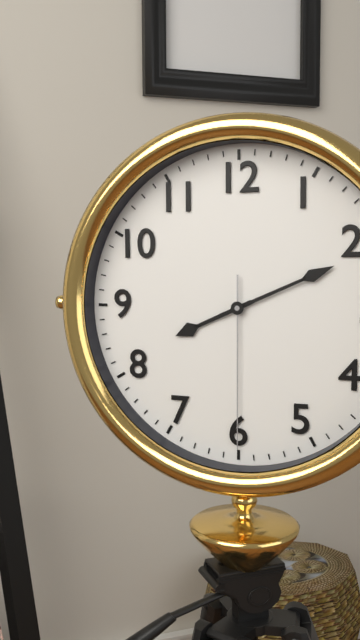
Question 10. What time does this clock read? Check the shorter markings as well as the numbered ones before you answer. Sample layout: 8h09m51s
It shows 8h11m30s
